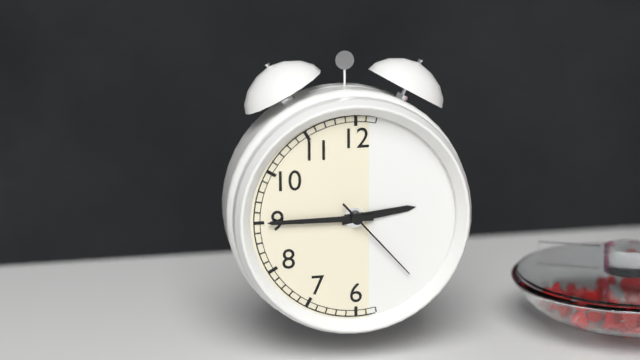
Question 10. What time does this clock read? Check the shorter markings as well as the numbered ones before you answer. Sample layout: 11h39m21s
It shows 2h45m23s
